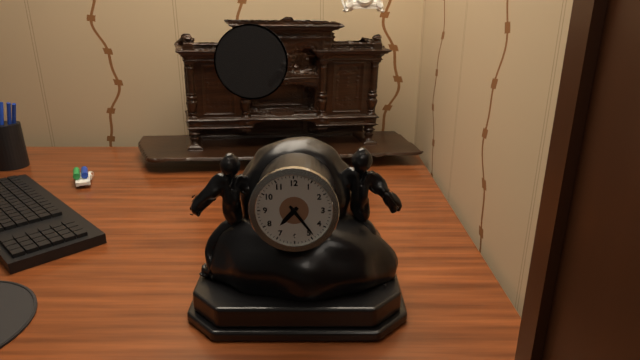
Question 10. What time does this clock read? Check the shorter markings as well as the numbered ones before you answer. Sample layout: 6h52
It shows 7h24
